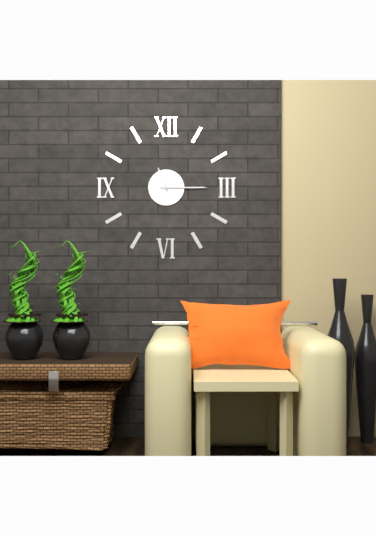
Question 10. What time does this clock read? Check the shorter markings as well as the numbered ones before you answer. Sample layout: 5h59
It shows 11h15
